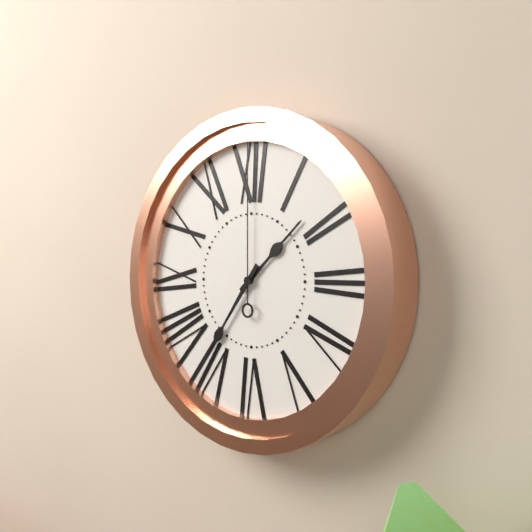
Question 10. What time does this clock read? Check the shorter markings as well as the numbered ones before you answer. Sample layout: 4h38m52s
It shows 1h36m00s
